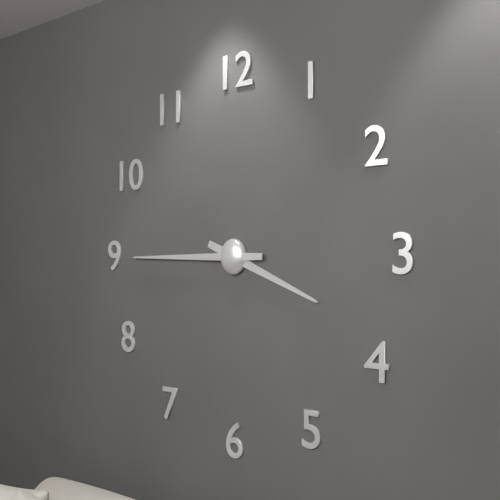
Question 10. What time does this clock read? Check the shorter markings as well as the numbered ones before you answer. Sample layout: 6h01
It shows 3h45
